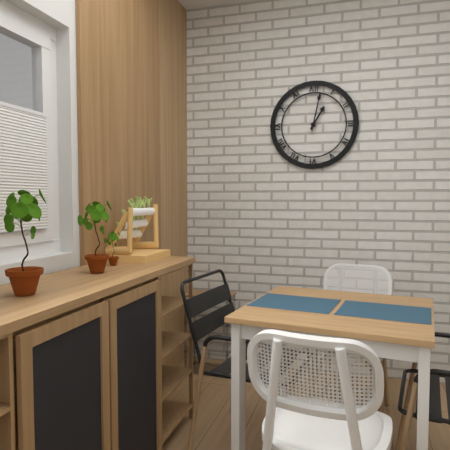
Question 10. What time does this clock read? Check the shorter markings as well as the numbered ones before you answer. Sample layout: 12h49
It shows 1h02
